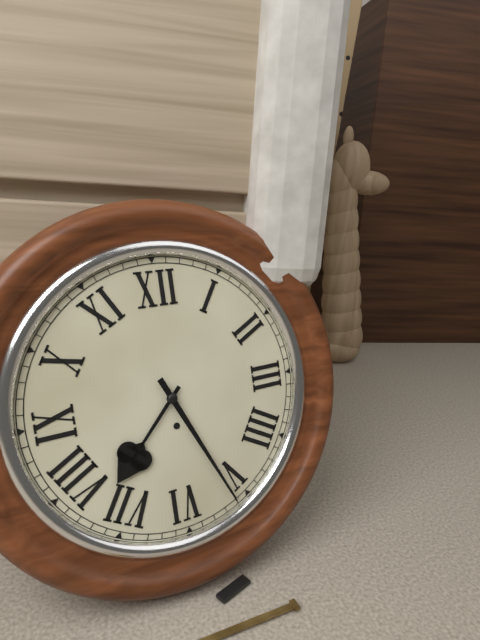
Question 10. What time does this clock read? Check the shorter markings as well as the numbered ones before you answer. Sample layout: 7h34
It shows 7h26
